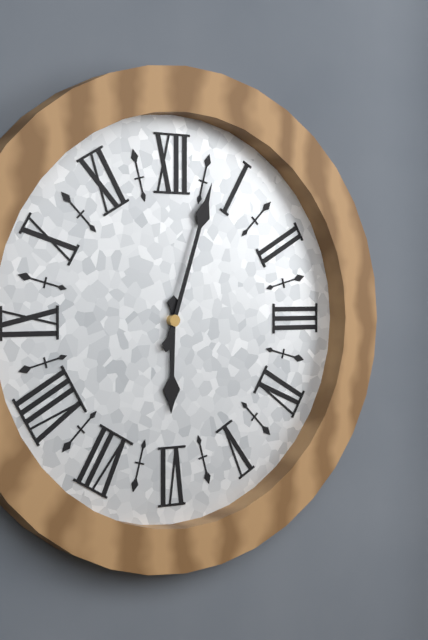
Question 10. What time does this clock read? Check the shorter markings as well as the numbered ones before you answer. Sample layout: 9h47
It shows 6h03
